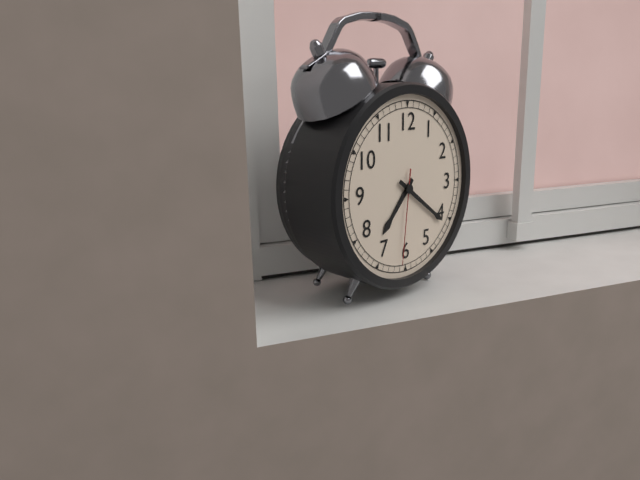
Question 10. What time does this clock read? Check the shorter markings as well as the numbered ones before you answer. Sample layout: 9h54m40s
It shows 7h21m31s
